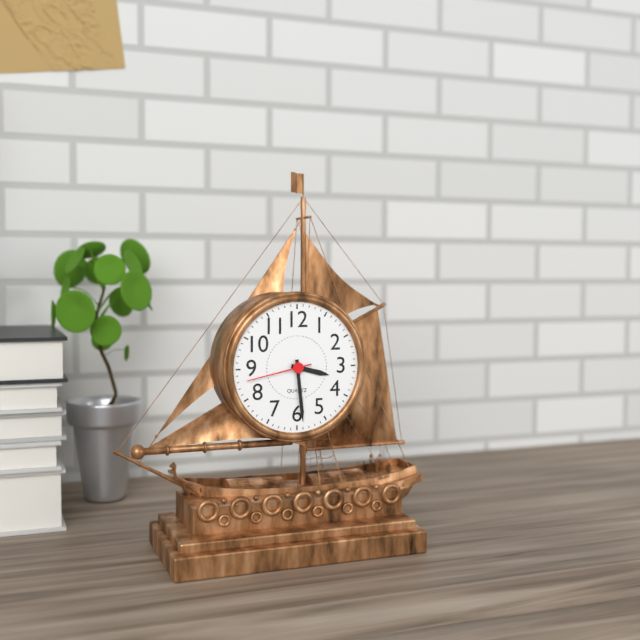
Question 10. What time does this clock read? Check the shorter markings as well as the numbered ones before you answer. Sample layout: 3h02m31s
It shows 3h29m43s
